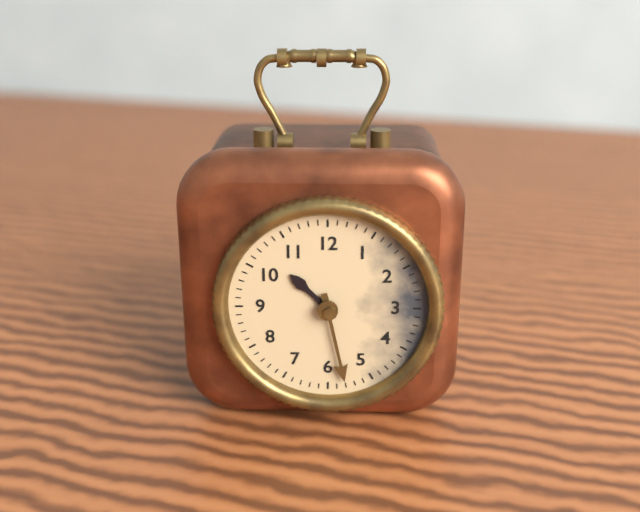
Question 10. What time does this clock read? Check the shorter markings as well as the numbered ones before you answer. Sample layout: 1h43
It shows 10h28
